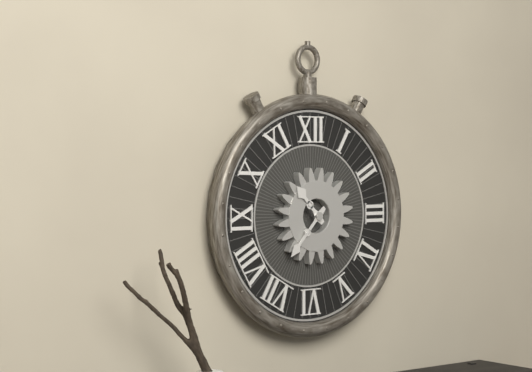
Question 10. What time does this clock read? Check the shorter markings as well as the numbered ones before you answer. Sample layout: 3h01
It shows 10h37
